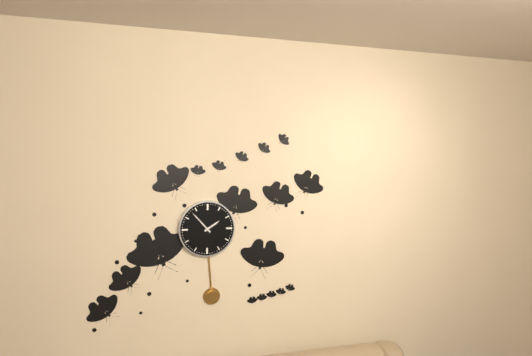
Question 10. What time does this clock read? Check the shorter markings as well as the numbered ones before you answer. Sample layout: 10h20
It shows 1h53
